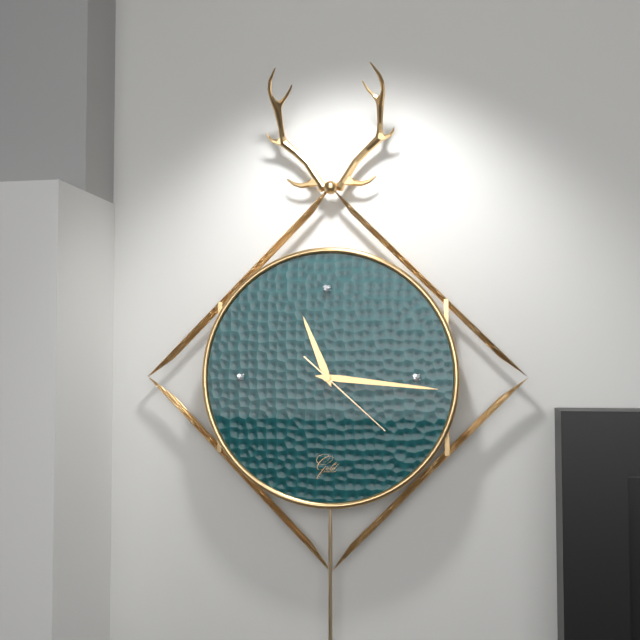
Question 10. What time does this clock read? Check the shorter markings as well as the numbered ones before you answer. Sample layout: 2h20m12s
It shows 11h16m22s
